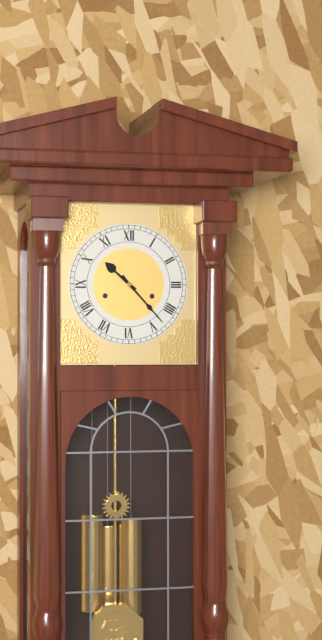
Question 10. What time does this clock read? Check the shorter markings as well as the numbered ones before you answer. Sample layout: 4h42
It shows 10h23
